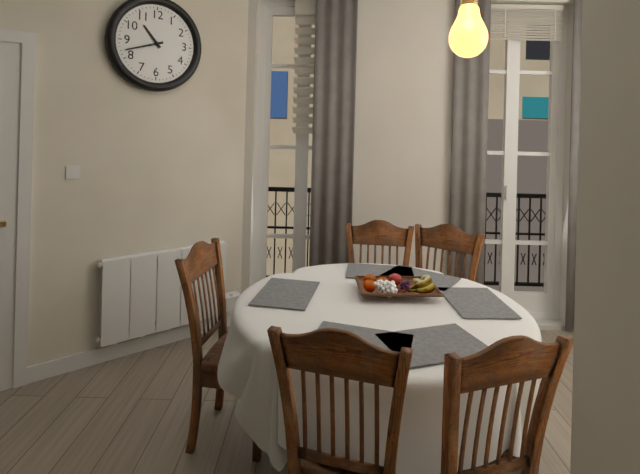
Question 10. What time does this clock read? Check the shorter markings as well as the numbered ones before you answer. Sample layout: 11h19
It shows 10h42
